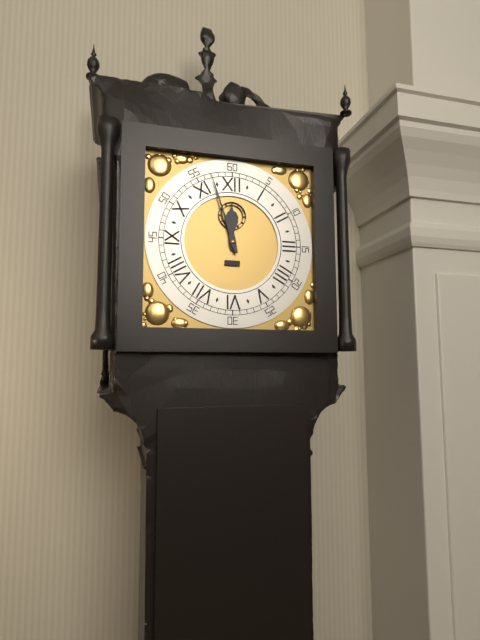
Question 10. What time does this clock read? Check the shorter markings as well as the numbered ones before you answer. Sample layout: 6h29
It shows 11h57
